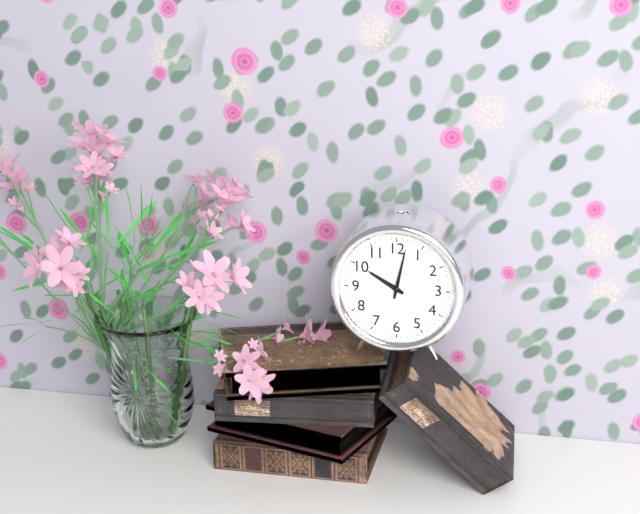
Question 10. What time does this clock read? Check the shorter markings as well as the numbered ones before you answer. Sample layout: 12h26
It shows 10h02
